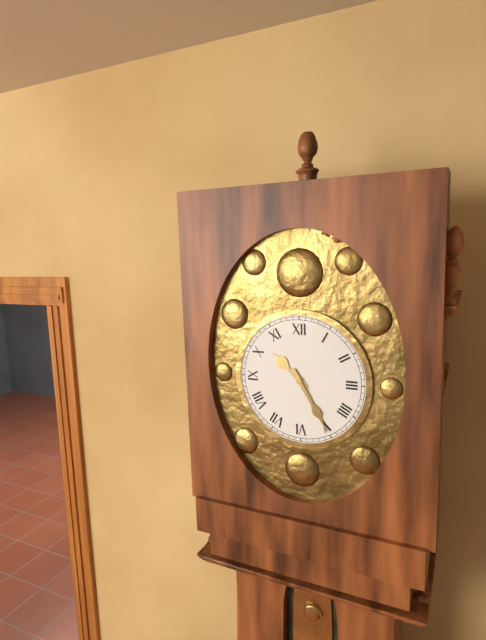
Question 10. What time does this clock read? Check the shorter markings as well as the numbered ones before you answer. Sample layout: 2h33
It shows 10h25
